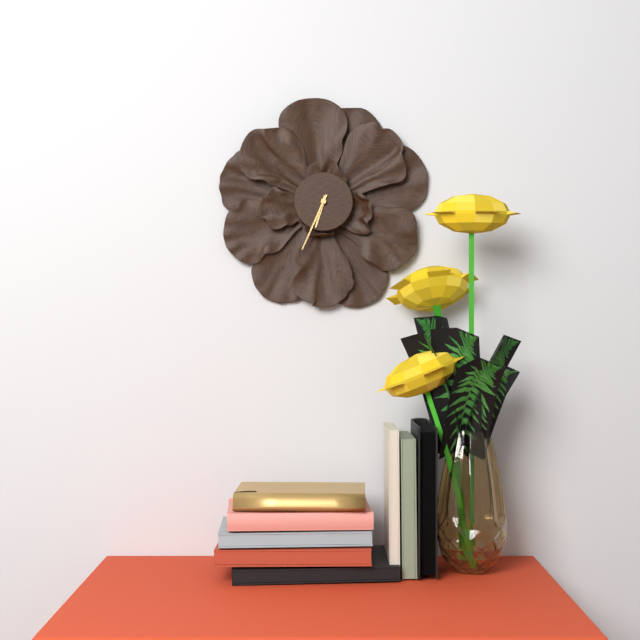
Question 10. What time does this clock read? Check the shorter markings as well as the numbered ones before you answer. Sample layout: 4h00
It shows 6h34
